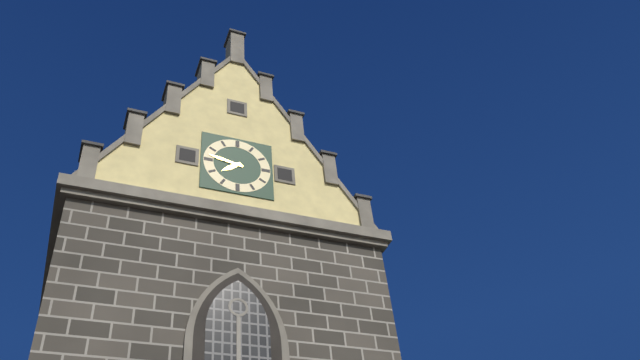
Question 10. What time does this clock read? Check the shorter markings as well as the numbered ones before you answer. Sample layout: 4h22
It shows 7h47
